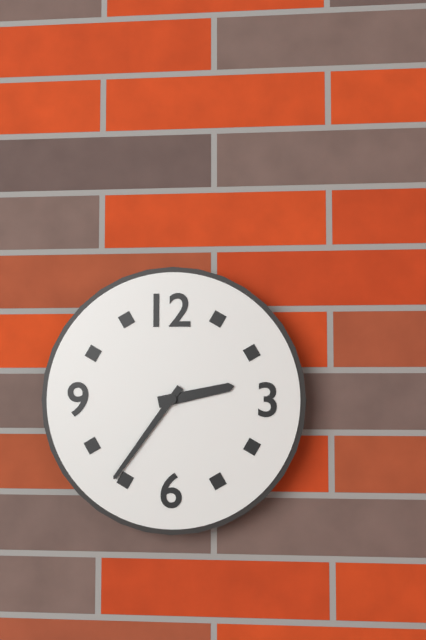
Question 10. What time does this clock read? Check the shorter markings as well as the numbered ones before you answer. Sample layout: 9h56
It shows 2h36
